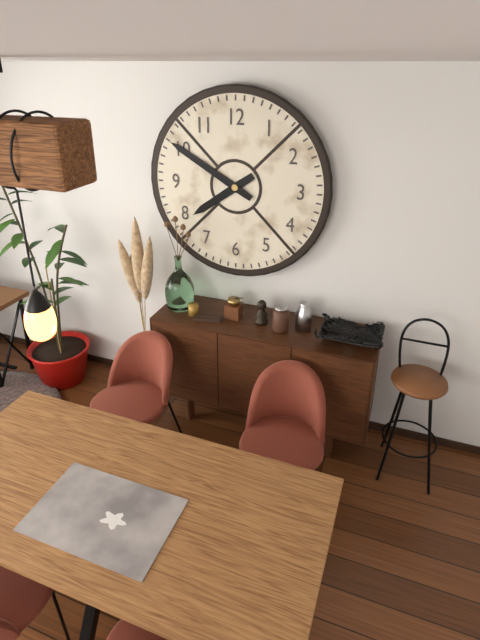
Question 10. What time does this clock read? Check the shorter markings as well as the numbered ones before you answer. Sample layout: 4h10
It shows 7h50
